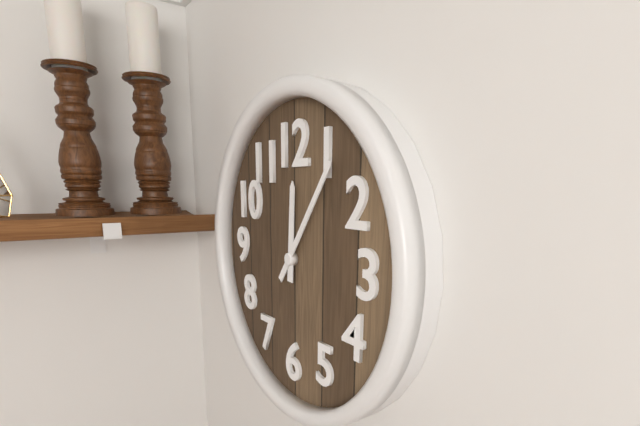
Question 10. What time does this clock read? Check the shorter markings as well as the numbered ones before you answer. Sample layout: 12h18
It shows 12h06
